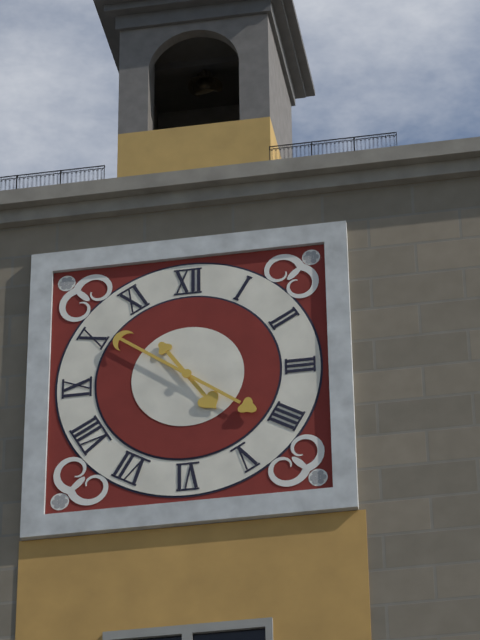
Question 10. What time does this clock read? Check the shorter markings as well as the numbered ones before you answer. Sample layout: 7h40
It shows 4h51
